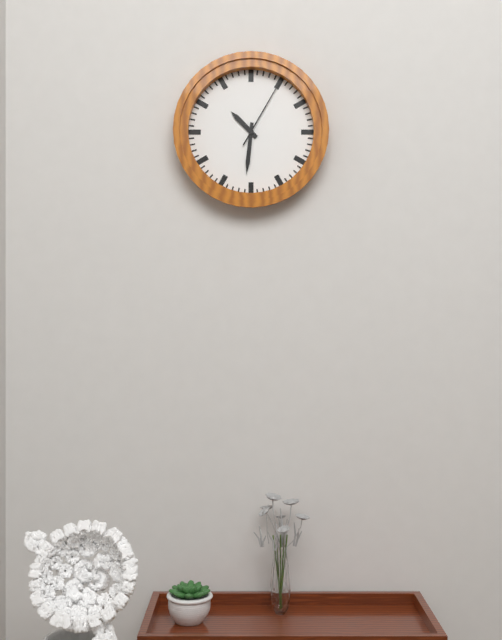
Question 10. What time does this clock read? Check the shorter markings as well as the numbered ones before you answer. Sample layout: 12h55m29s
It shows 10h31m05s
